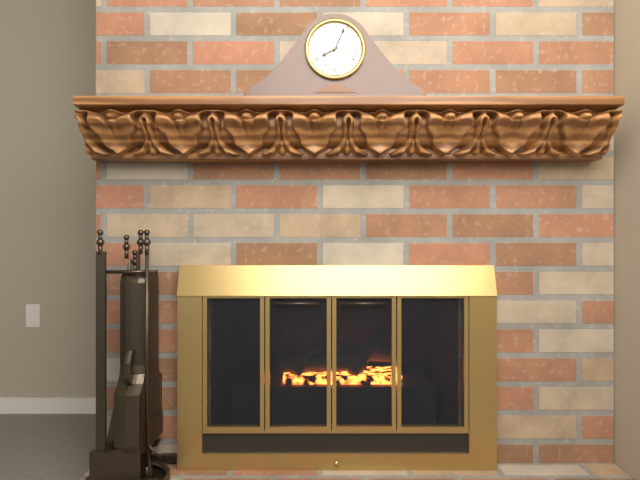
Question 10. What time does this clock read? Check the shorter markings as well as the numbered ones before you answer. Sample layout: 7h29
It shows 8h04
